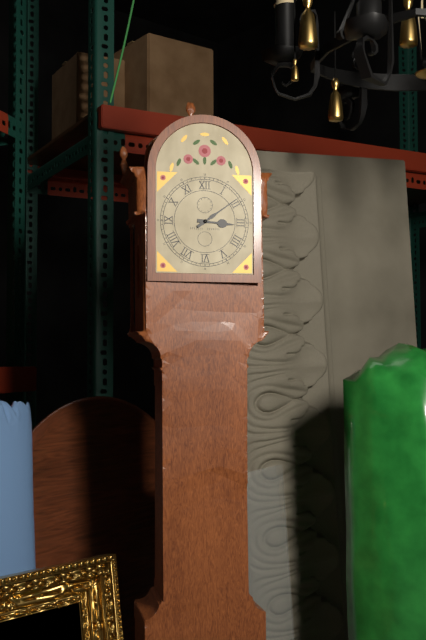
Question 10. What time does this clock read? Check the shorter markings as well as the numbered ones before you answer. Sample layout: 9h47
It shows 3h09
